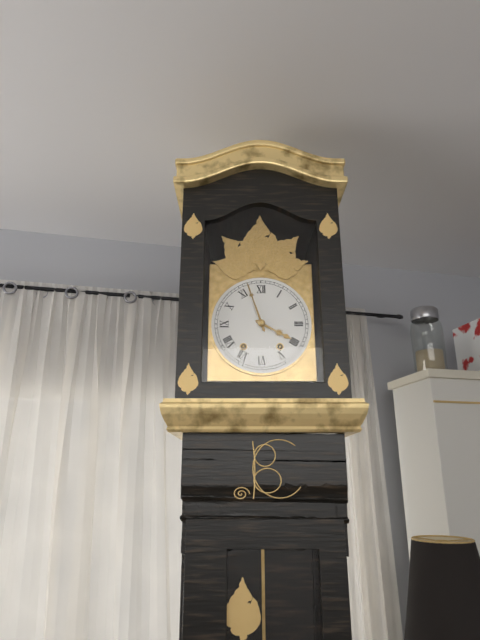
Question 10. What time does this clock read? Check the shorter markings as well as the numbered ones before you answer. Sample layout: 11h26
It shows 3h57
